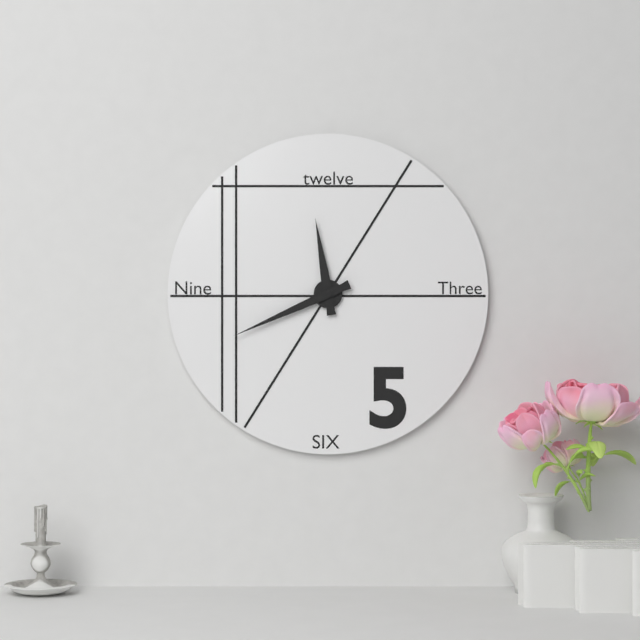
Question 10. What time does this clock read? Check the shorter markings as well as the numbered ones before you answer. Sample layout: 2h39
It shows 11h41
